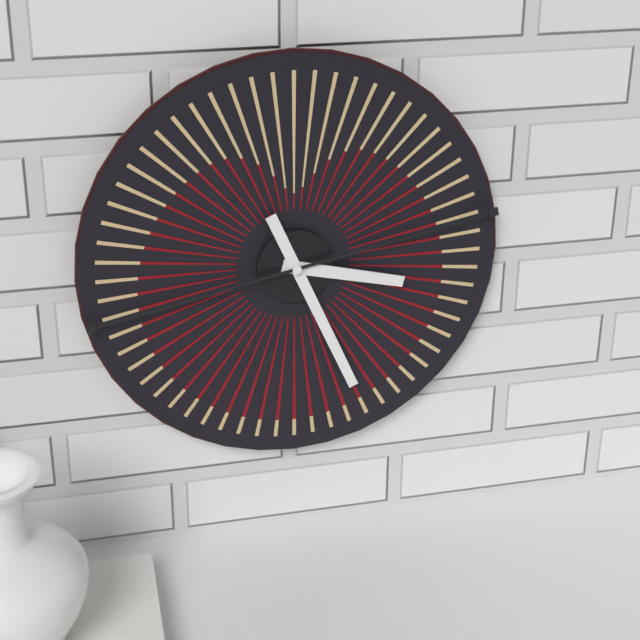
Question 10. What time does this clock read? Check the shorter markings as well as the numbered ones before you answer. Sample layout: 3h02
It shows 3h26
